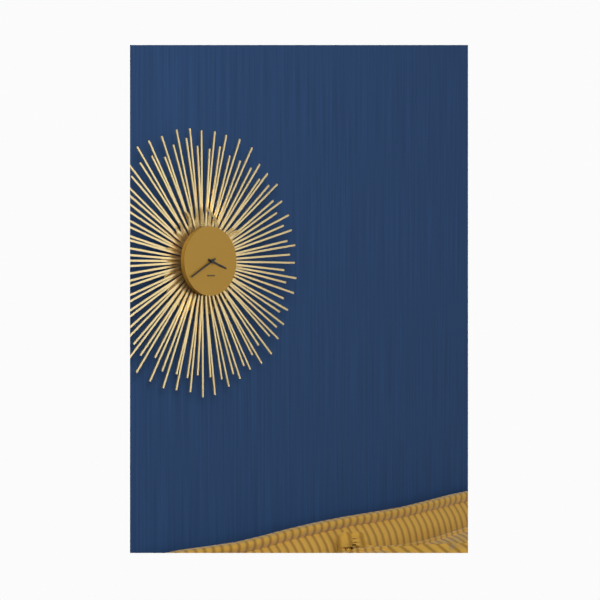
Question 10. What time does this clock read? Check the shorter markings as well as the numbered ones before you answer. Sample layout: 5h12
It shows 3h40
